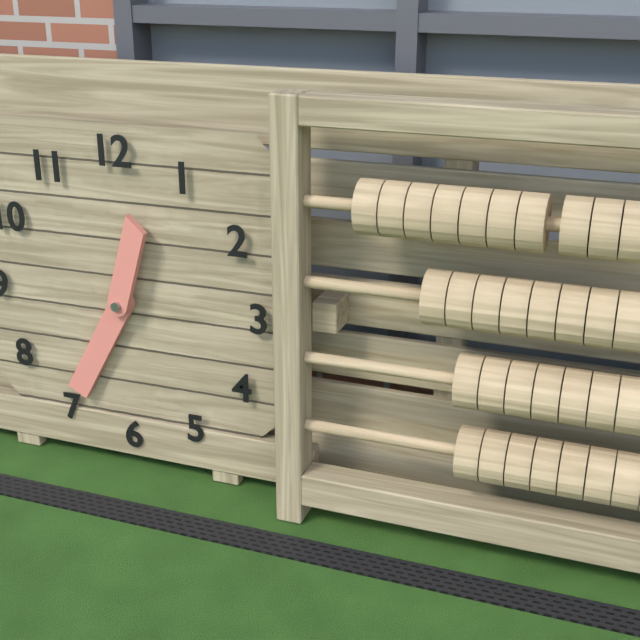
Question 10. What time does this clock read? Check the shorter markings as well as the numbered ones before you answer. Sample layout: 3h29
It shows 12h35
